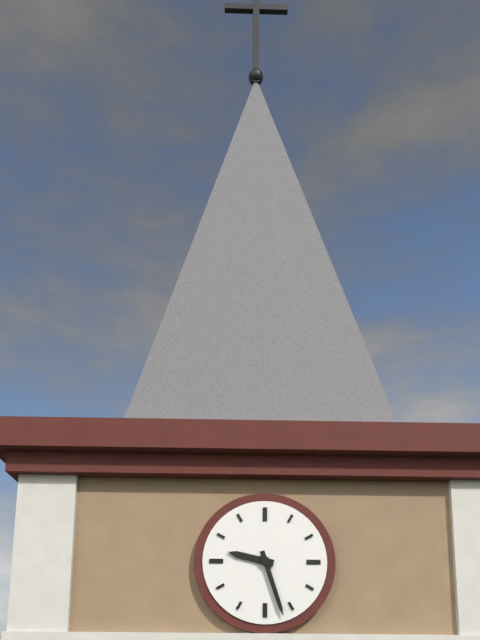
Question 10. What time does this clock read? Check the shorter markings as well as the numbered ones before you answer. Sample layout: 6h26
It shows 9h27
